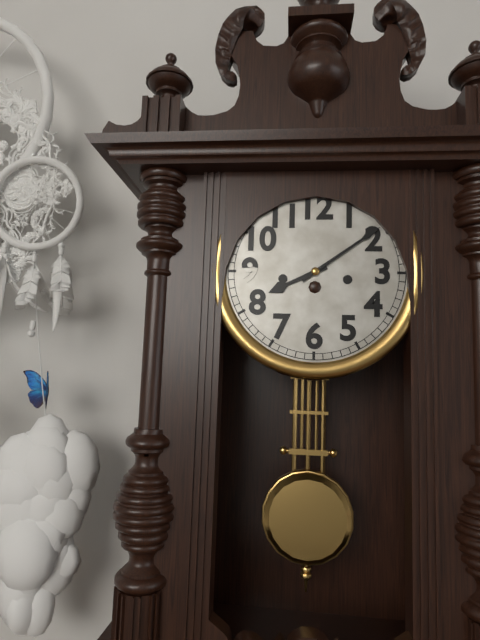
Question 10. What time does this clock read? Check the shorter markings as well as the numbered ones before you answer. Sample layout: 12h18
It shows 8h09
